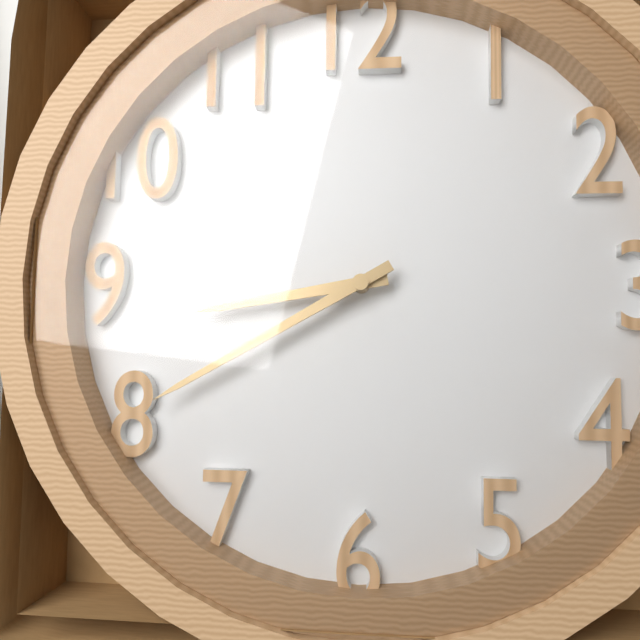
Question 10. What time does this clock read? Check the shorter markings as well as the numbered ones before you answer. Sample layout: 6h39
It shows 8h40
